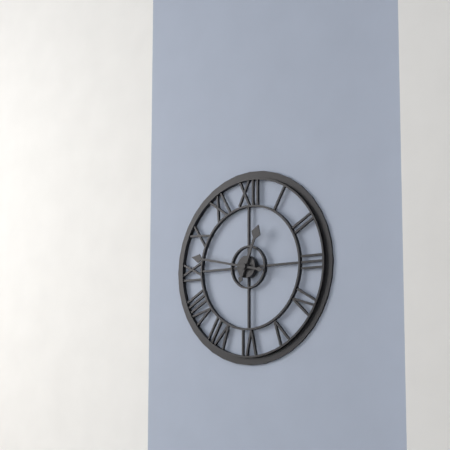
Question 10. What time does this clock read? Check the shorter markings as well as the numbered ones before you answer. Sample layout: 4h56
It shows 12h47
